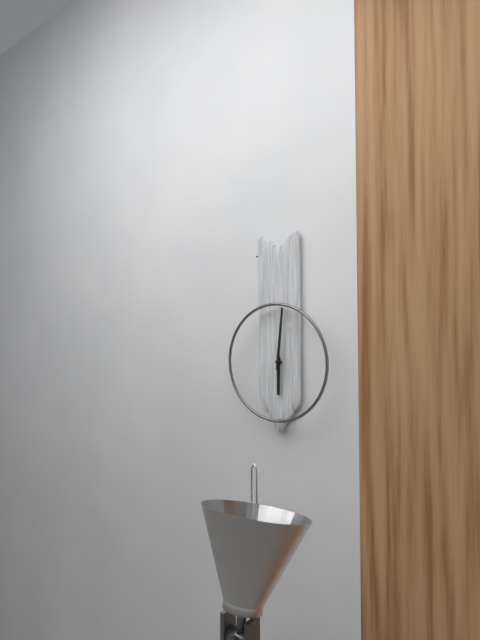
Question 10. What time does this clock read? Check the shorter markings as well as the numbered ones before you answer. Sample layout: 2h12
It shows 6h01
